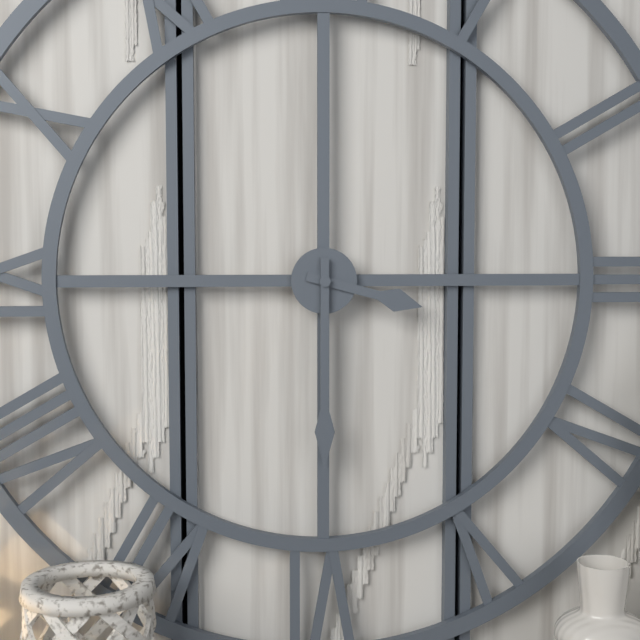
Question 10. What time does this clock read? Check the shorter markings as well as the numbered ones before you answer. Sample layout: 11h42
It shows 3h30
